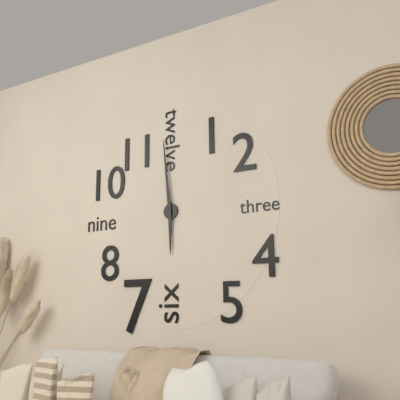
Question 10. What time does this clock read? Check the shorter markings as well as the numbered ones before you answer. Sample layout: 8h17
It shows 5h59
